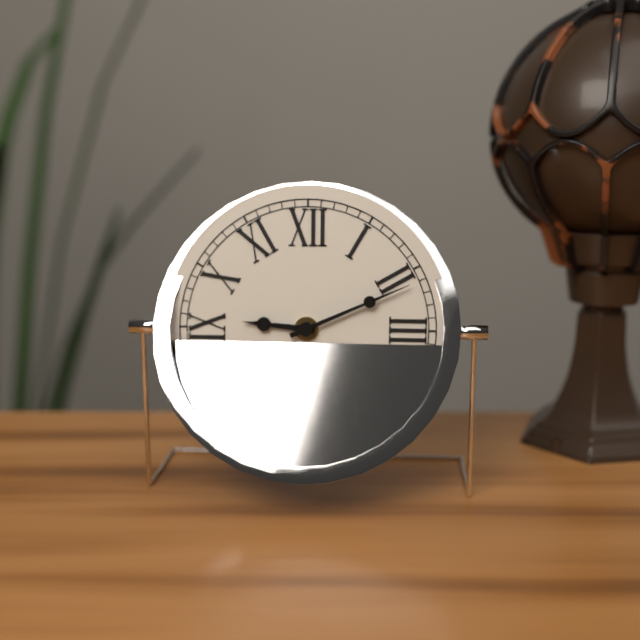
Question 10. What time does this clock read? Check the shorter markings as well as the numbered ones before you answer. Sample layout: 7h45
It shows 9h11
